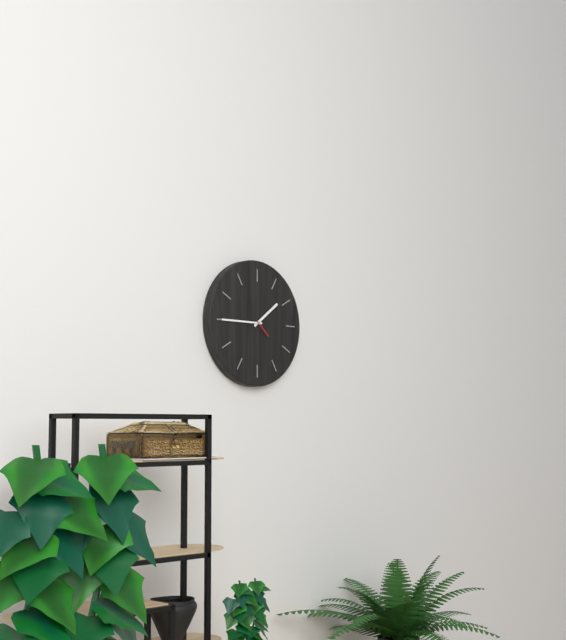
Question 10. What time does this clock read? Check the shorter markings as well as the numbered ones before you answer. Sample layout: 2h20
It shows 1h45
